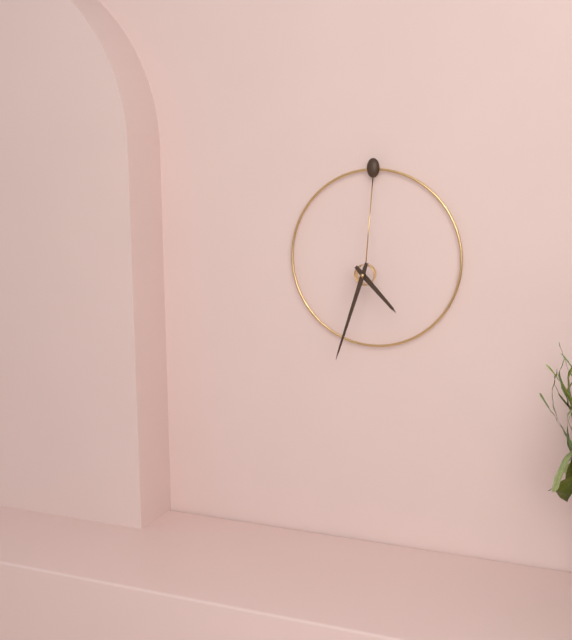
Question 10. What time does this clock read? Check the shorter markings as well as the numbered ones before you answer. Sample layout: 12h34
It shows 4h33
